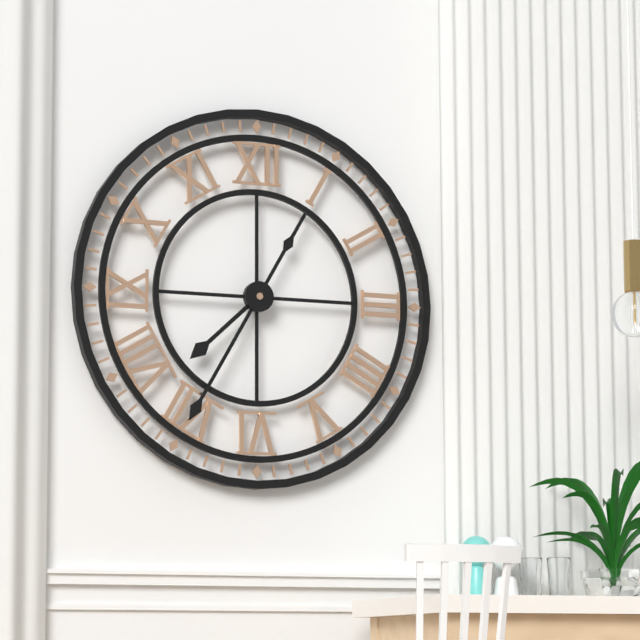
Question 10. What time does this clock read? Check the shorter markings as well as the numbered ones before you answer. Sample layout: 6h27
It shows 7h35
